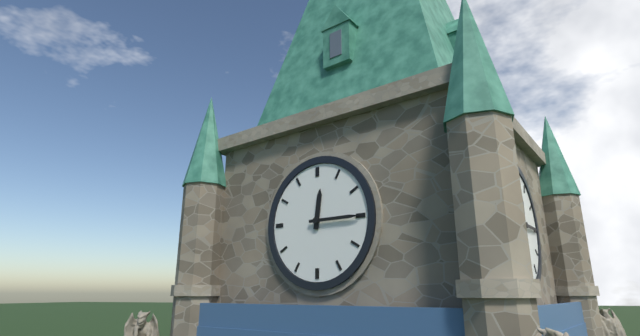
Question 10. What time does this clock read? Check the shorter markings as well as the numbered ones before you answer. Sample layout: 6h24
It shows 12h15
